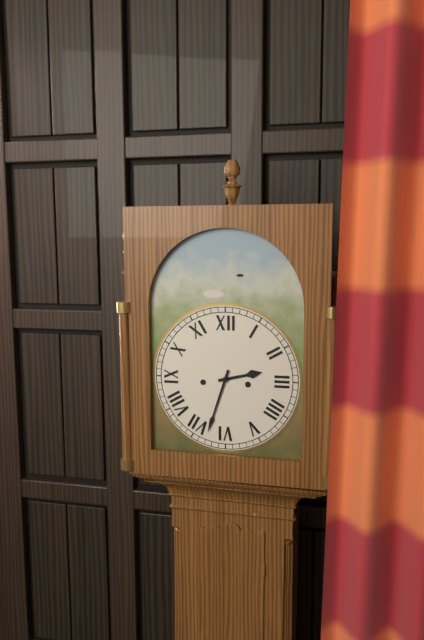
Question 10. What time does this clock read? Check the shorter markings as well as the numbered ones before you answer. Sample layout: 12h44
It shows 2h33
